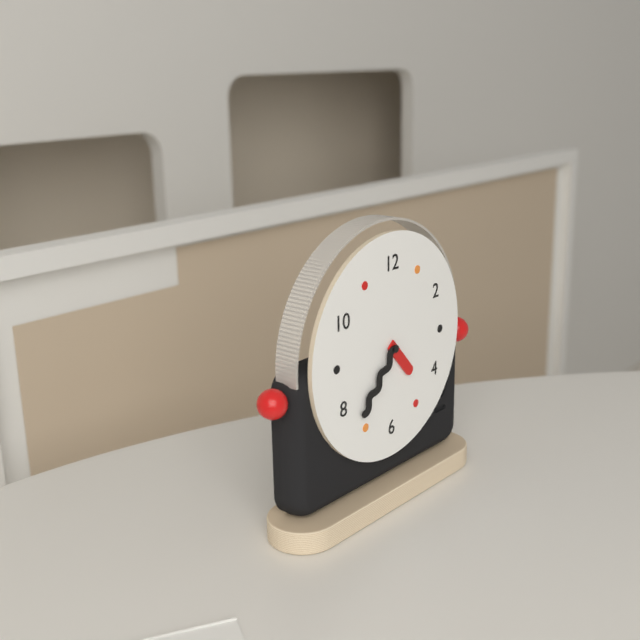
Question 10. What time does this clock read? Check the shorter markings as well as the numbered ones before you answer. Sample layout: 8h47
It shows 4h37
